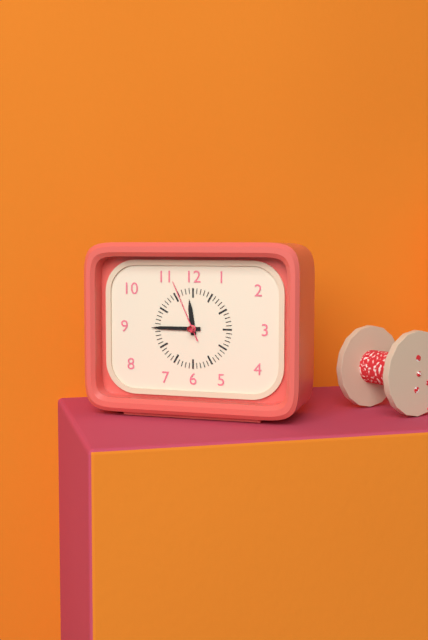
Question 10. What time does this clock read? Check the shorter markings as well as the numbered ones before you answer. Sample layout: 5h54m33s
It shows 11h45m56s
